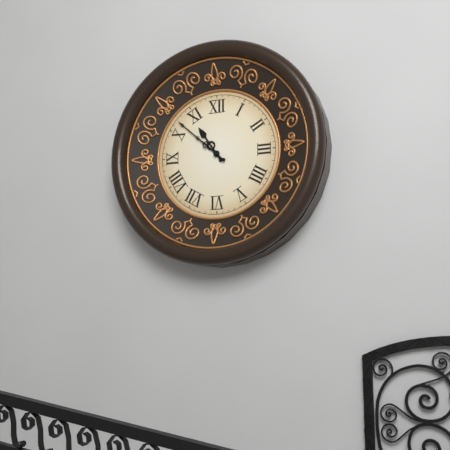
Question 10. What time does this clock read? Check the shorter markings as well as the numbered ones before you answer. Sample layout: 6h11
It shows 10h52
